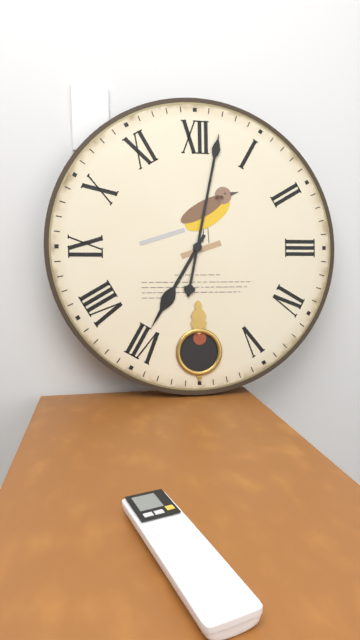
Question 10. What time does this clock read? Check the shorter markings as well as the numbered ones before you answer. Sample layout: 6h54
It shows 7h02
